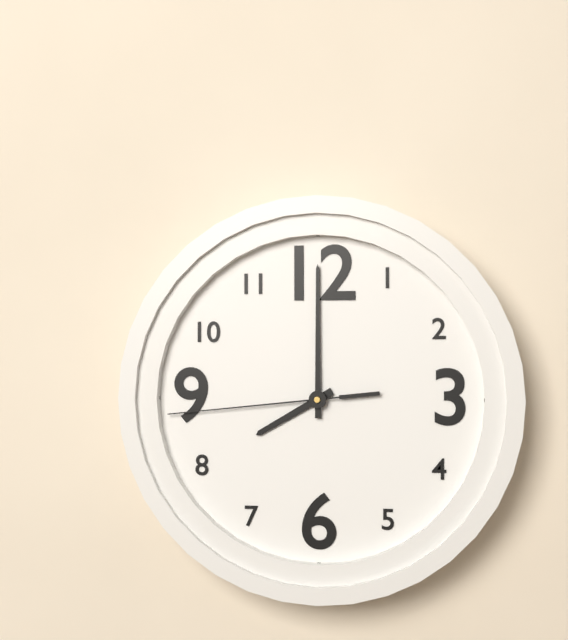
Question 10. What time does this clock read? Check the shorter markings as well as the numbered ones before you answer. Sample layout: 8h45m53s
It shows 8h00m44s
